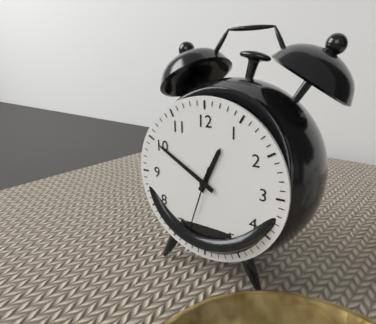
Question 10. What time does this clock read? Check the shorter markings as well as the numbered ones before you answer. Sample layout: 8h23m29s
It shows 12h50m33s
